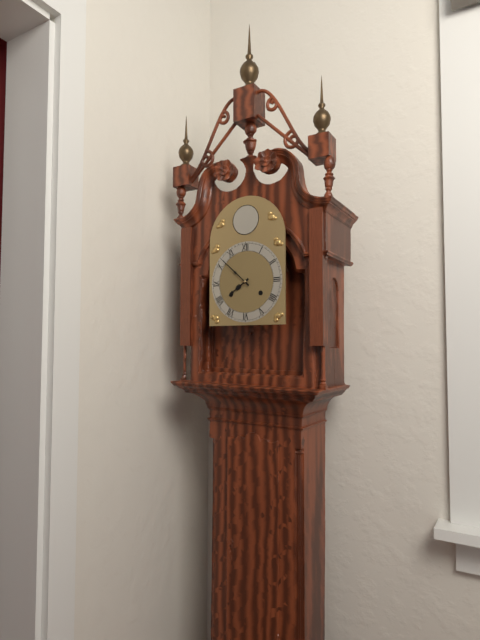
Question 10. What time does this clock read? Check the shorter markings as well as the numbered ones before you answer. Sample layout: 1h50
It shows 7h52
